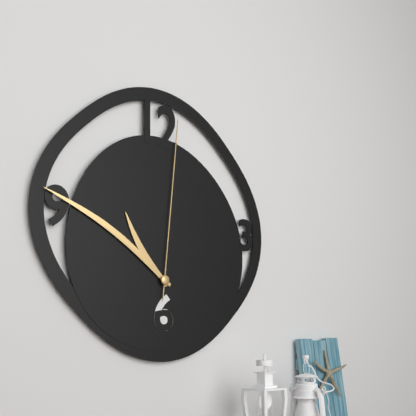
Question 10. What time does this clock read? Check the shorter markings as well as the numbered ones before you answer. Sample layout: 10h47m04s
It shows 10h50m01s
